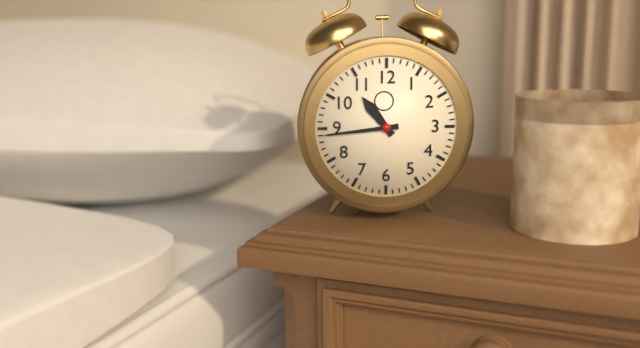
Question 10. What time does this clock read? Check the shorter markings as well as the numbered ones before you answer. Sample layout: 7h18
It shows 10h44
